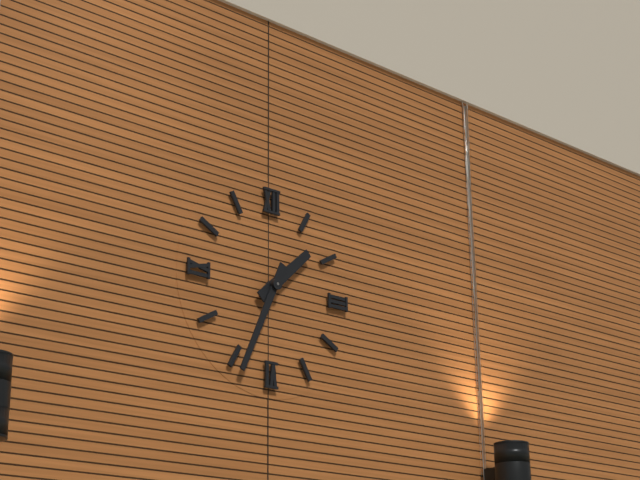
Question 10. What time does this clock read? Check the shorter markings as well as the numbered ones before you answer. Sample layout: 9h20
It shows 1h34
